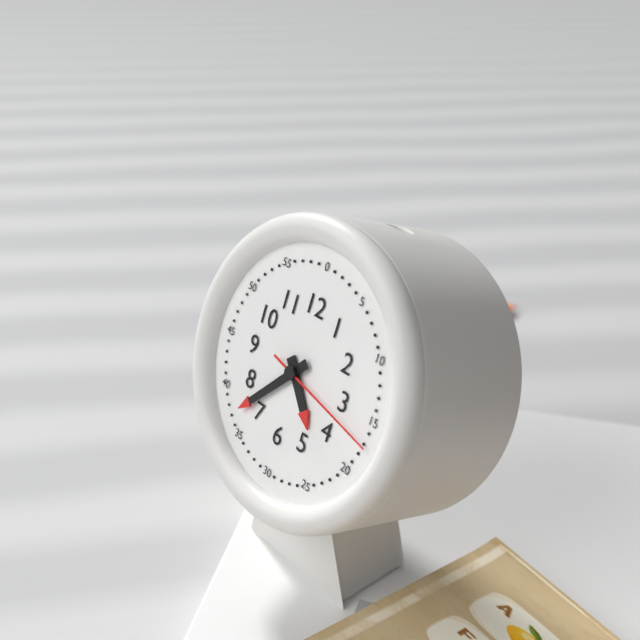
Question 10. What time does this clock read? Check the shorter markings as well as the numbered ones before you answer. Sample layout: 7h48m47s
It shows 4h37m17s
